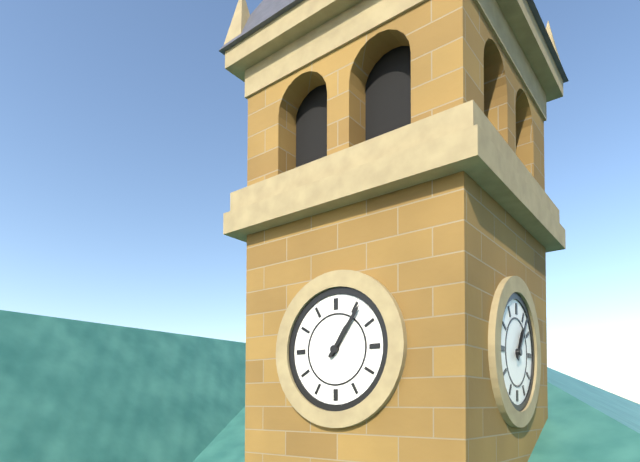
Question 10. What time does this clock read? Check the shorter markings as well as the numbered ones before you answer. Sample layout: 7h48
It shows 1h06
